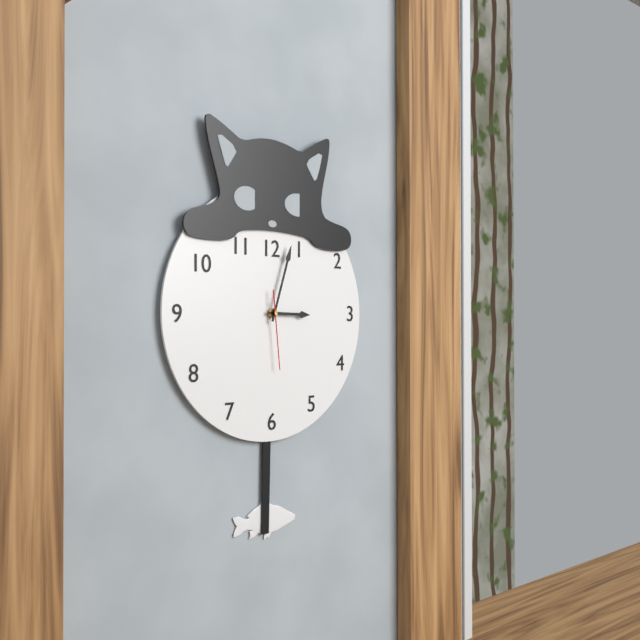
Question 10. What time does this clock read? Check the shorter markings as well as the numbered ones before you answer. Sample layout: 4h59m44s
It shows 3h03m29s
